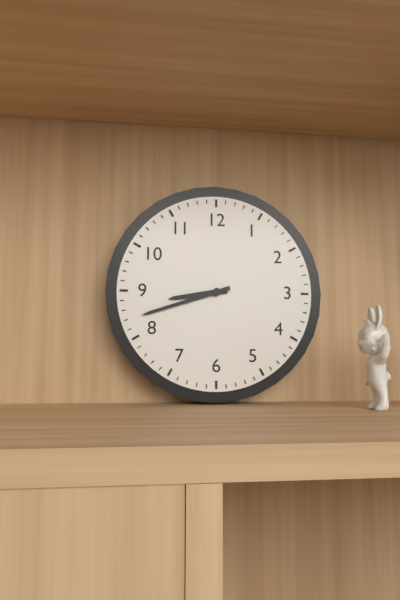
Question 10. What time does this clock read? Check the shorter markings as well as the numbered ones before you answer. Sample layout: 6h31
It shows 8h42
